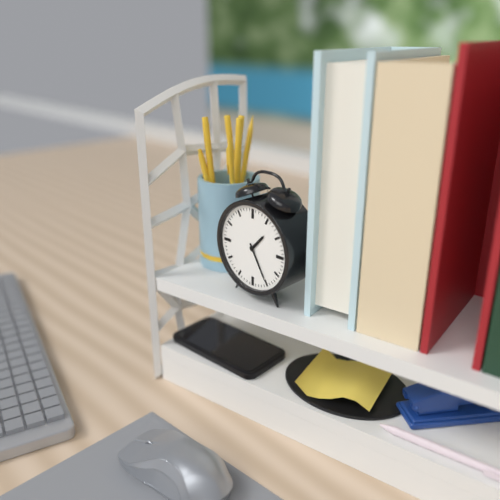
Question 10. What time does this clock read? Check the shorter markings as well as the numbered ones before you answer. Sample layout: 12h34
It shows 1h25
